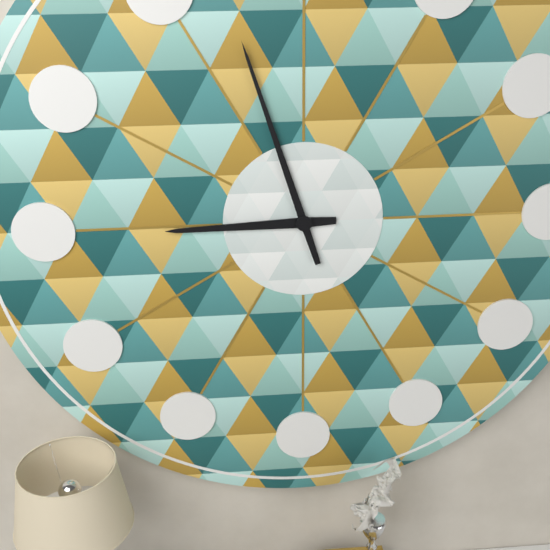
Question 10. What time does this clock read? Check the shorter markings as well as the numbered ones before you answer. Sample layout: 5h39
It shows 8h57
